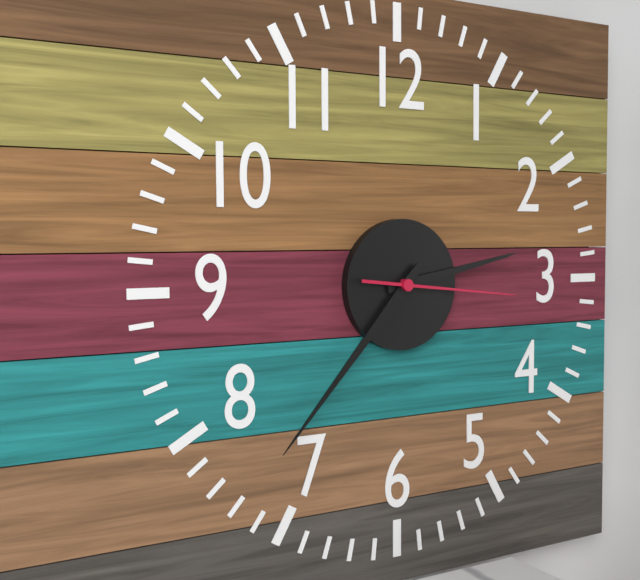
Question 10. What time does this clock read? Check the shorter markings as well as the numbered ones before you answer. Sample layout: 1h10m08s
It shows 2h37m16s
